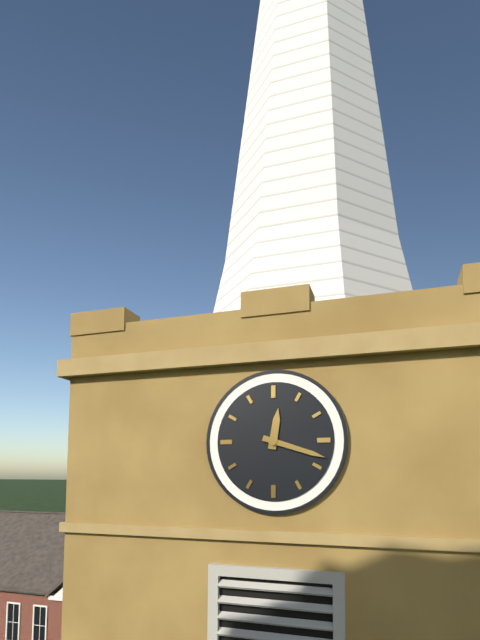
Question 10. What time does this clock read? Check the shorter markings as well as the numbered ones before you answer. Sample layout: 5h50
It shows 12h18
